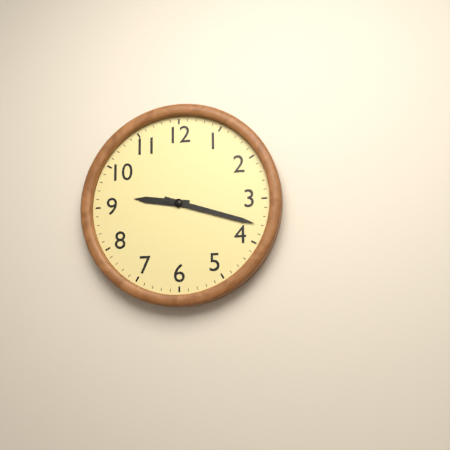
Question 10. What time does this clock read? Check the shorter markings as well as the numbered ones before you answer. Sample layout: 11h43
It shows 9h18
